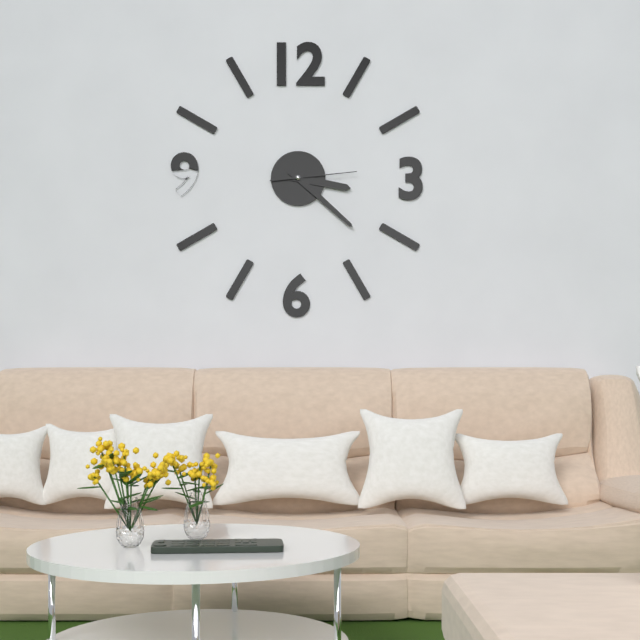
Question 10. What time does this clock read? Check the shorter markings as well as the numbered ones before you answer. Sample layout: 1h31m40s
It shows 3h22m14s
